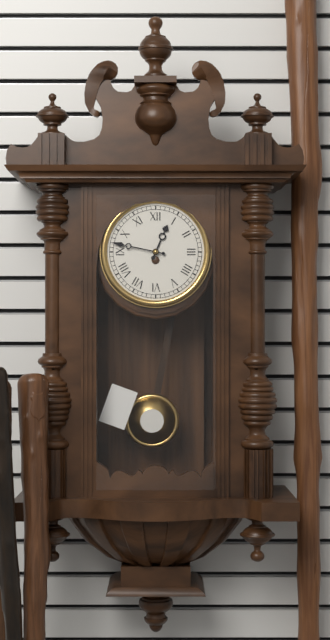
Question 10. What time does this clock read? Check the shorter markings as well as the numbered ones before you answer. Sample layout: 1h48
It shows 12h47
